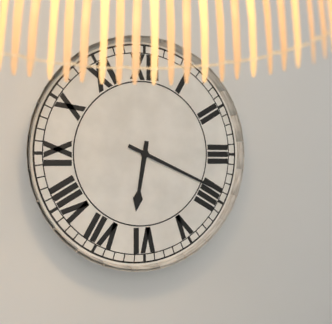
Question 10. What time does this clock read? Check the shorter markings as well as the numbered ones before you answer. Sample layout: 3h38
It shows 6h19
